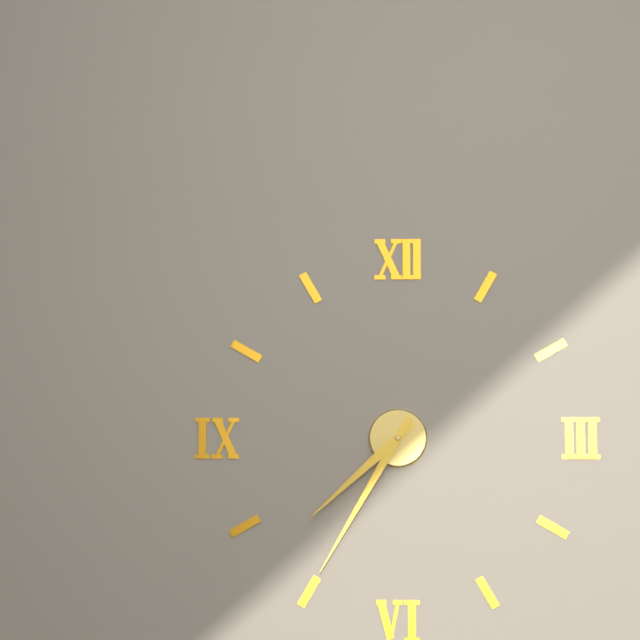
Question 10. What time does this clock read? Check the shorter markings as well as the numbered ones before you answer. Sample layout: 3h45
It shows 7h35
